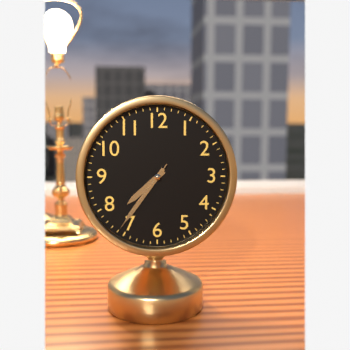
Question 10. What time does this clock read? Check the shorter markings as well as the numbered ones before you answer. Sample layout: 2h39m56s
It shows 7h36m36s
